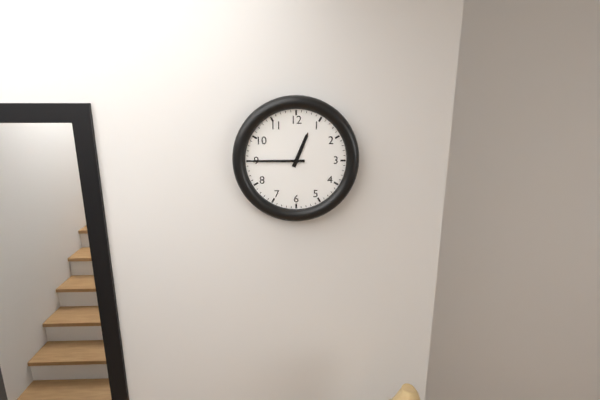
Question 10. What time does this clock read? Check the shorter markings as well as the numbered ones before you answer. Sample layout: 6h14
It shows 12h45
